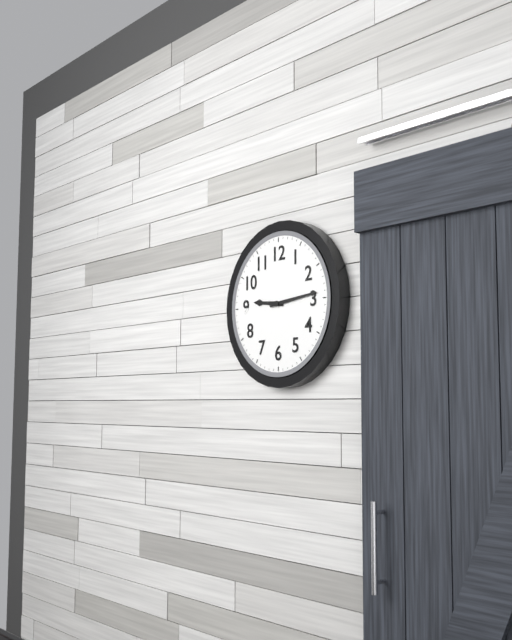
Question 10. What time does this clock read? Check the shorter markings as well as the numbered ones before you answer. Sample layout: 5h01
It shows 9h14
